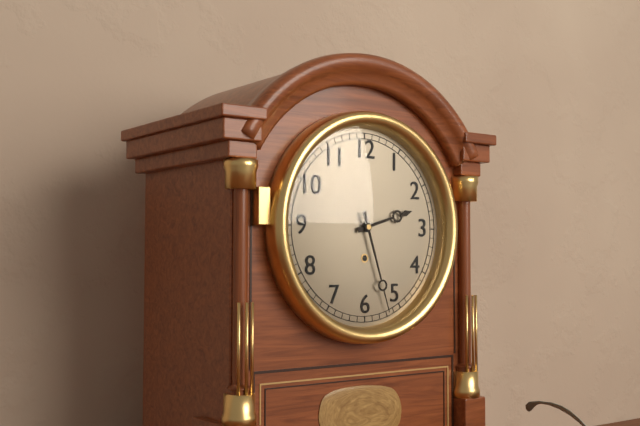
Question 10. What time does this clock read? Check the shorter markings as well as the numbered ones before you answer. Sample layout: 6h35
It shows 2h27
